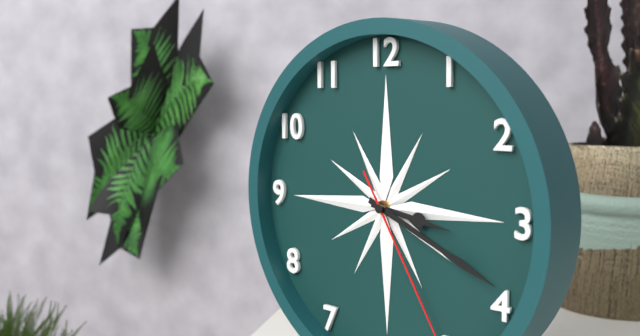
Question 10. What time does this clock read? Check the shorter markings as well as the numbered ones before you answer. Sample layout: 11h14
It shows 3h19
